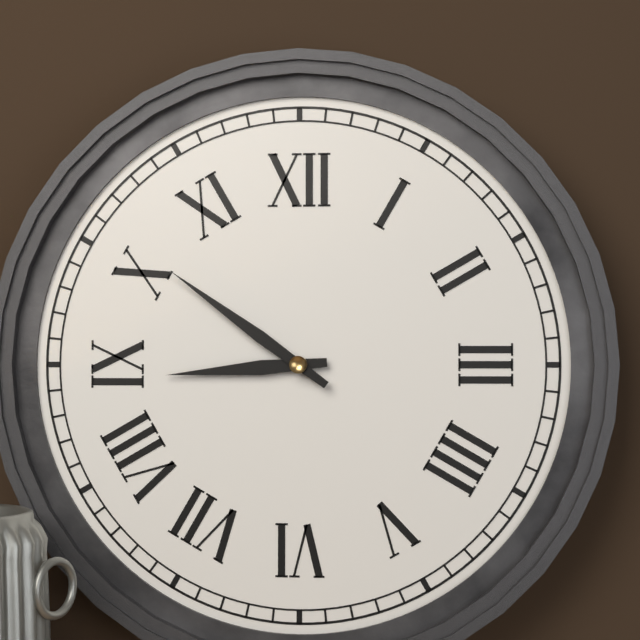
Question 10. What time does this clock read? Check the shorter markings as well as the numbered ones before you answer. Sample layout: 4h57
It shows 8h51
